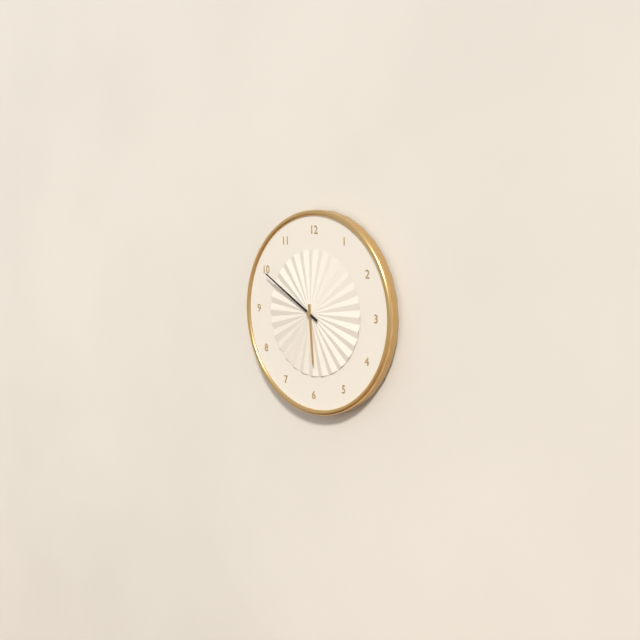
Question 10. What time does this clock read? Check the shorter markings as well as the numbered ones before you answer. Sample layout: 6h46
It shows 5h50
